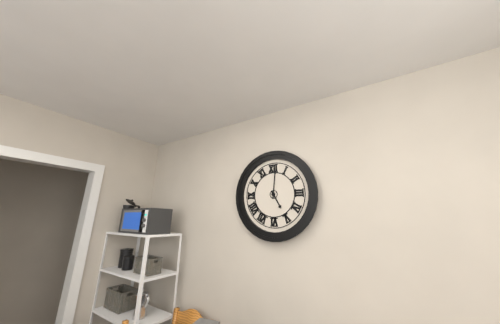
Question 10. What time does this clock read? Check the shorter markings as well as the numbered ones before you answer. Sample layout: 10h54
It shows 5h01
